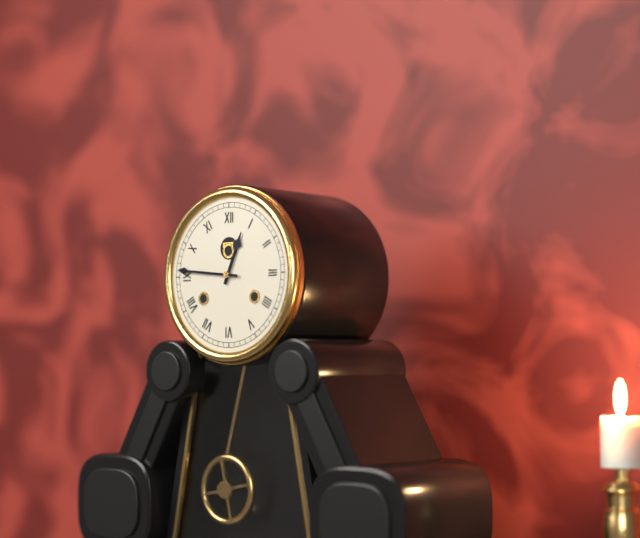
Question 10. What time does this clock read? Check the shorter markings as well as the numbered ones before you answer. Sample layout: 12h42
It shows 12h46
